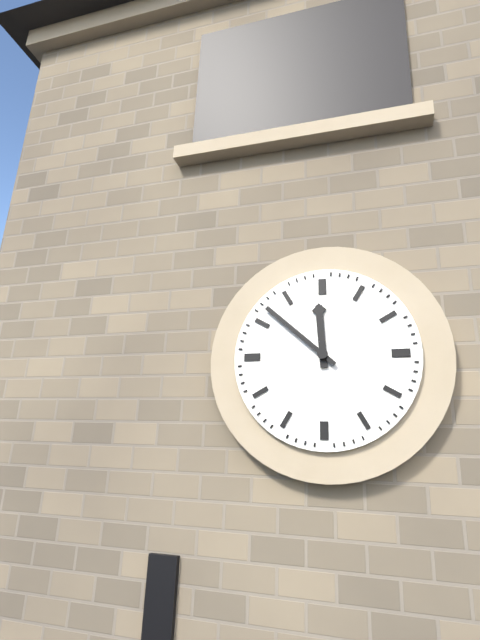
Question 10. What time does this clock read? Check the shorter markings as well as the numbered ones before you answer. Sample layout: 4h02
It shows 11h52
